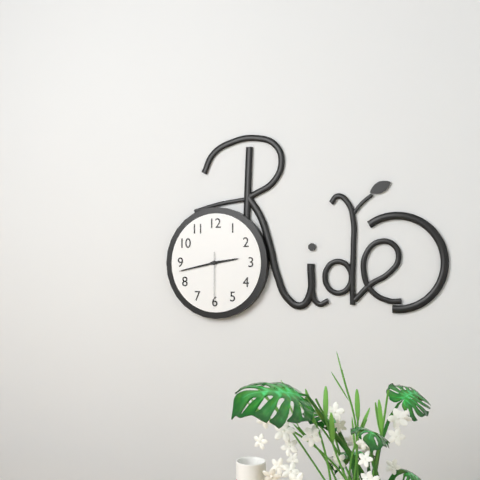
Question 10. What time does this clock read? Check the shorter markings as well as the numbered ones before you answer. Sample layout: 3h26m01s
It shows 2h43m30s
